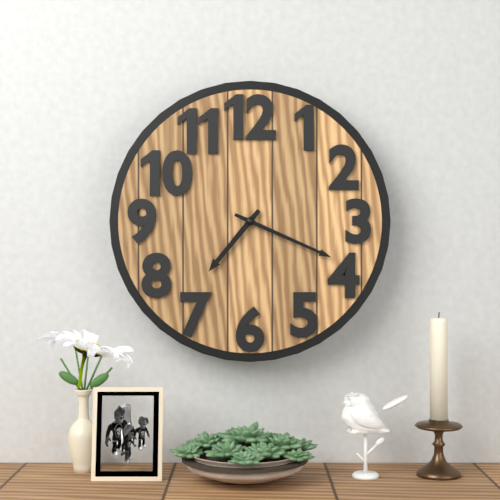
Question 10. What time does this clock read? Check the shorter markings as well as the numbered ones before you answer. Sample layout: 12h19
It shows 7h19
